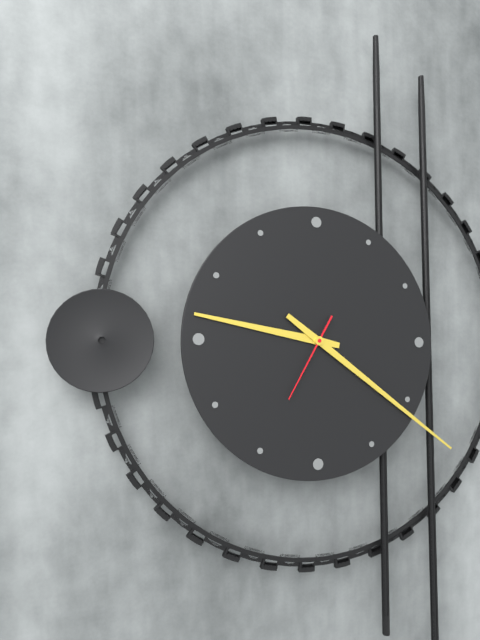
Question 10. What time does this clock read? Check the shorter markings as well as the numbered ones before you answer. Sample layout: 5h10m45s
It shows 9h21m35s
